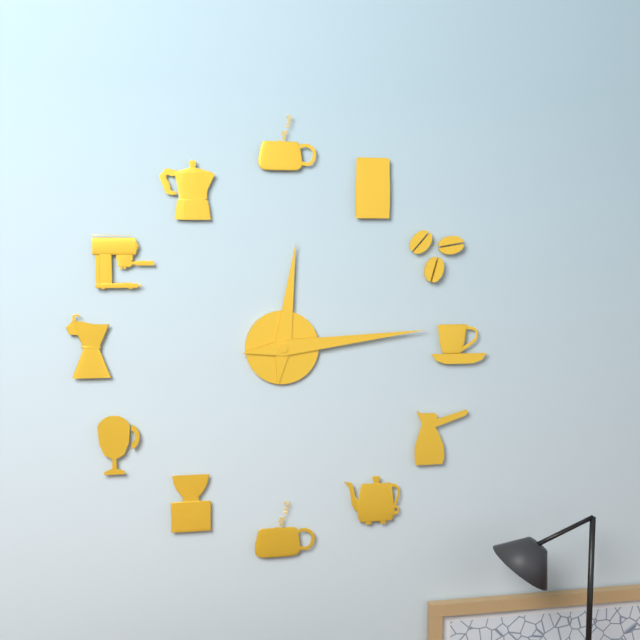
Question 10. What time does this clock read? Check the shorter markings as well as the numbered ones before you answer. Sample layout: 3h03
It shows 12h14
